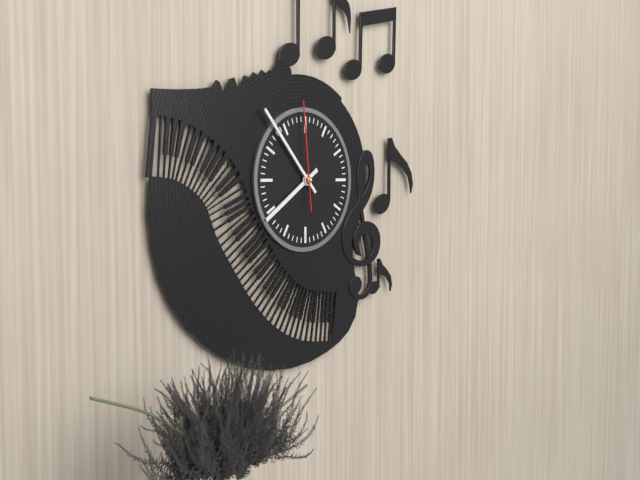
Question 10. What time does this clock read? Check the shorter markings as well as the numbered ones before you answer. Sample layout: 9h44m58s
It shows 7h53m59s
